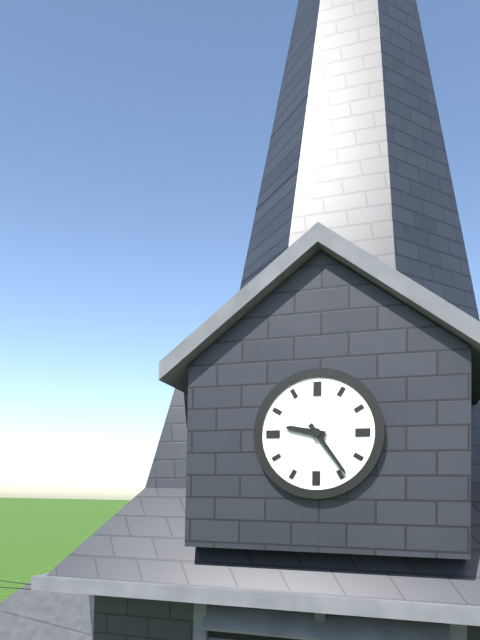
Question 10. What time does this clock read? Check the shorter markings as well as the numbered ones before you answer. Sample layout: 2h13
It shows 9h24
